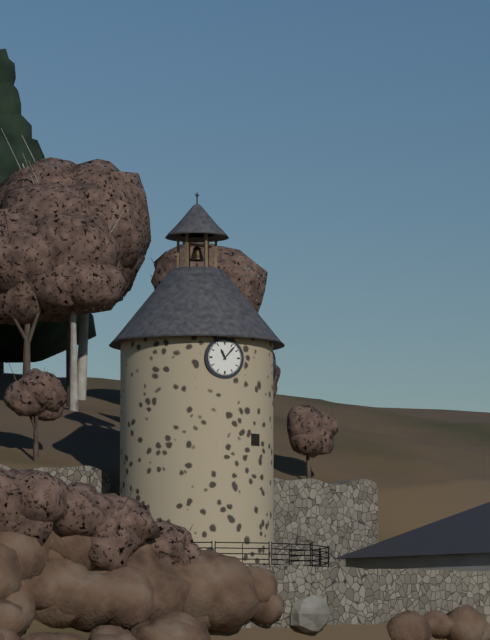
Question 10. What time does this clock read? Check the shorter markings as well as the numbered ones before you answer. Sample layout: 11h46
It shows 11h07
